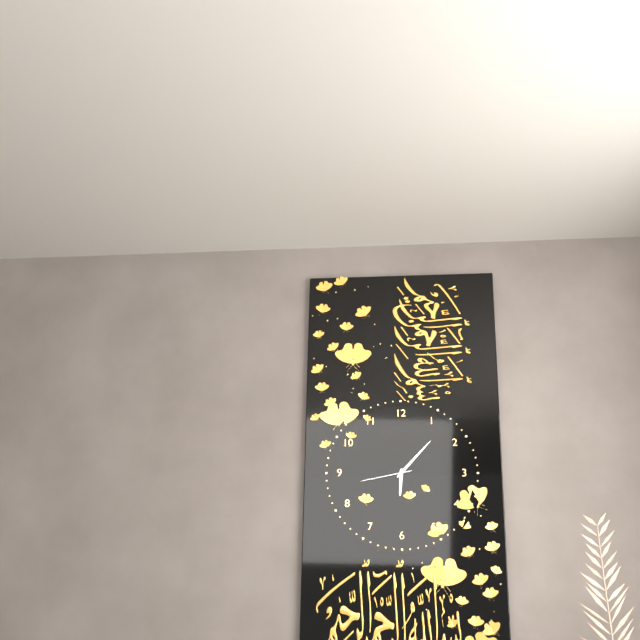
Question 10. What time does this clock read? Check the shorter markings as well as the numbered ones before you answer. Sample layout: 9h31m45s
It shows 6h07m43s
